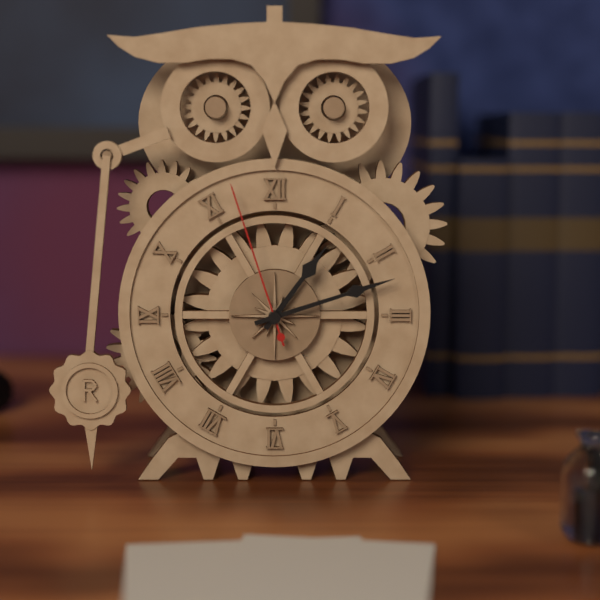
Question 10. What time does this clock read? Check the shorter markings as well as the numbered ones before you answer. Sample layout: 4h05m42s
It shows 1h12m57s
